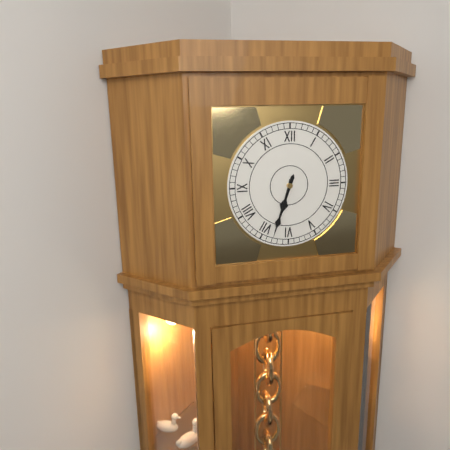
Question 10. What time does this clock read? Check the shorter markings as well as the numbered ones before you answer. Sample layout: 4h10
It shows 6h33
